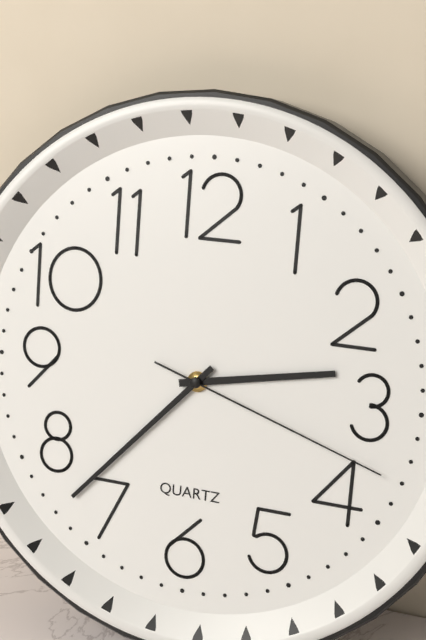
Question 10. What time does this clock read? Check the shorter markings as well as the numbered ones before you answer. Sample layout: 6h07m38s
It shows 2h37m18s
